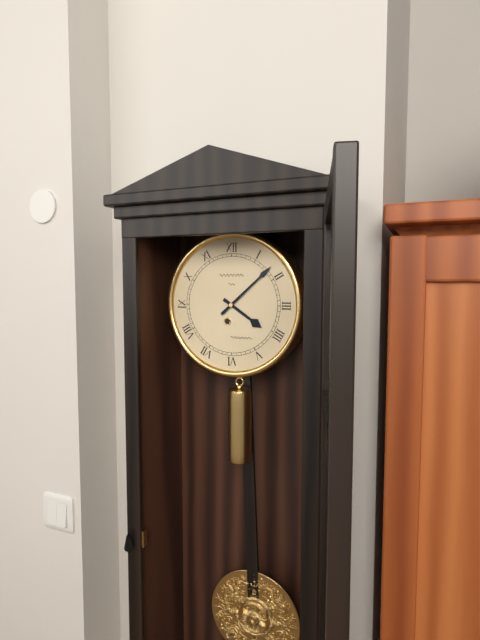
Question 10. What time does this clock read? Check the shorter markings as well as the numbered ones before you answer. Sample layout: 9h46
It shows 4h08
